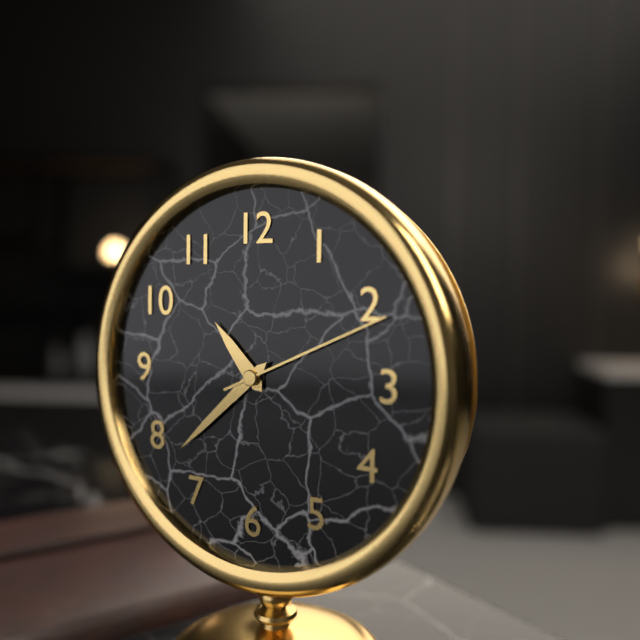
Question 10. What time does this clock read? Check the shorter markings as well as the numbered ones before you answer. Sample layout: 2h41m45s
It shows 10h38m11s
